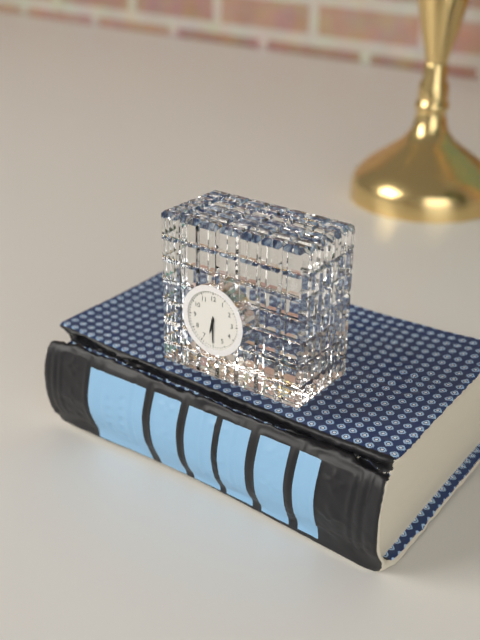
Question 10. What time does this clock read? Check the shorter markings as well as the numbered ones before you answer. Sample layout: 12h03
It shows 6h30
